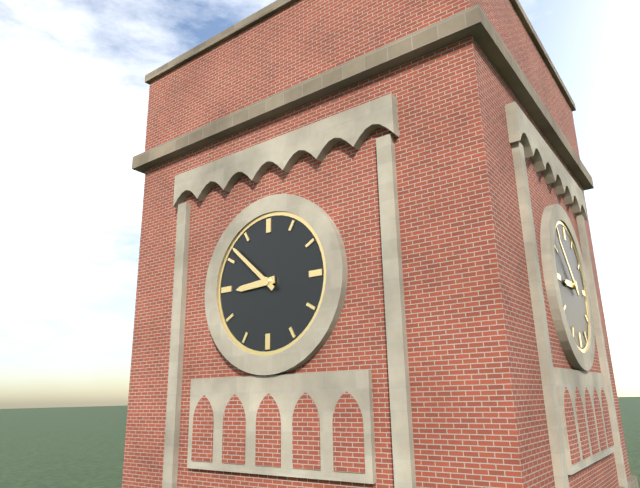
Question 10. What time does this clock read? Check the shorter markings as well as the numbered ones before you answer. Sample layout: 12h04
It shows 8h52
